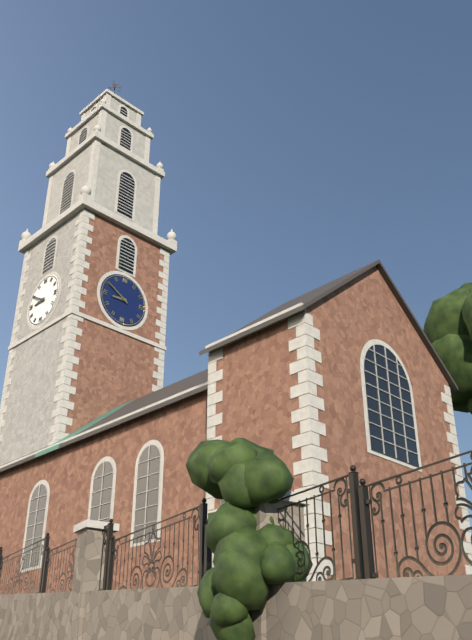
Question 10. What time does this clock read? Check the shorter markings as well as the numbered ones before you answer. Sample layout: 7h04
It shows 8h50
